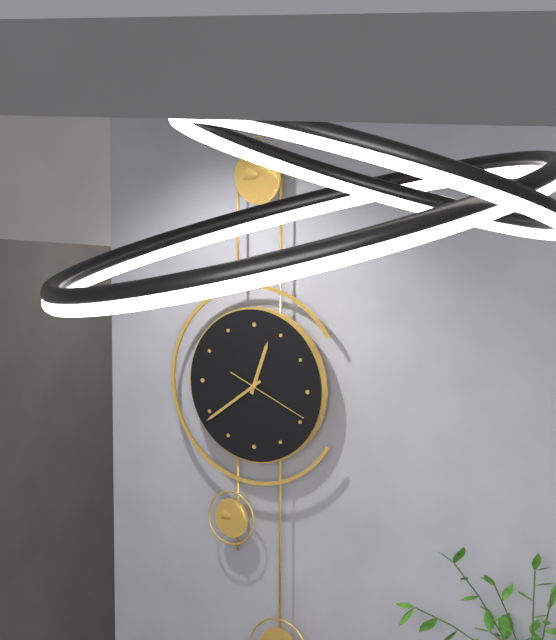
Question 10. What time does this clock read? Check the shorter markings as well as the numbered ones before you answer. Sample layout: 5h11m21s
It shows 12h39m19s
